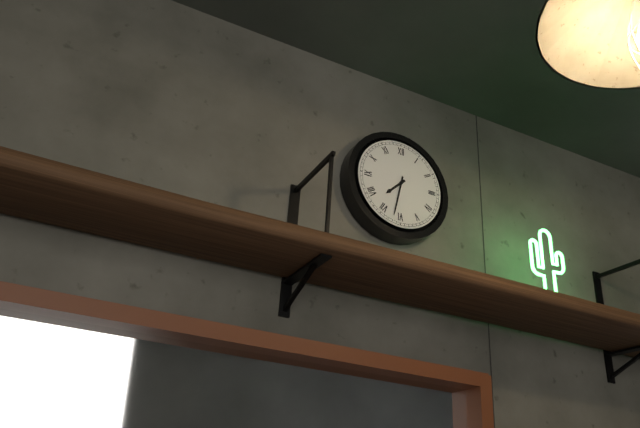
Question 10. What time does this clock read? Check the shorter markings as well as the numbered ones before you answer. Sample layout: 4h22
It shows 7h32
